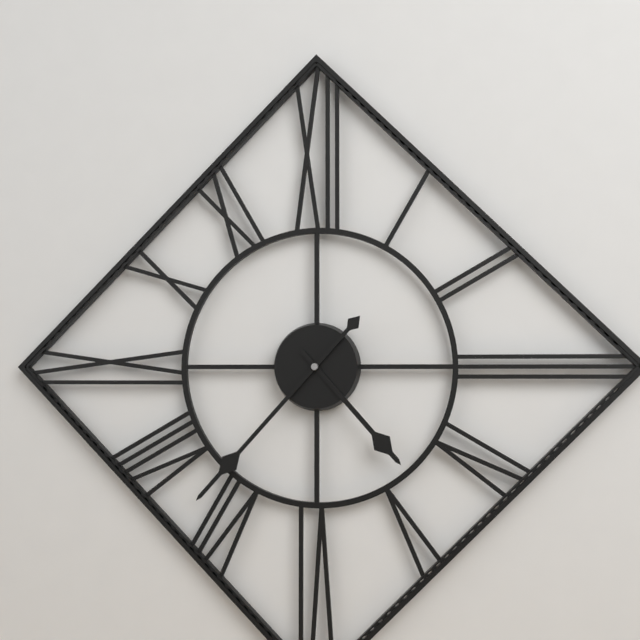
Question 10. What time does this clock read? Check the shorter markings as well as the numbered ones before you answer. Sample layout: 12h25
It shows 4h37
